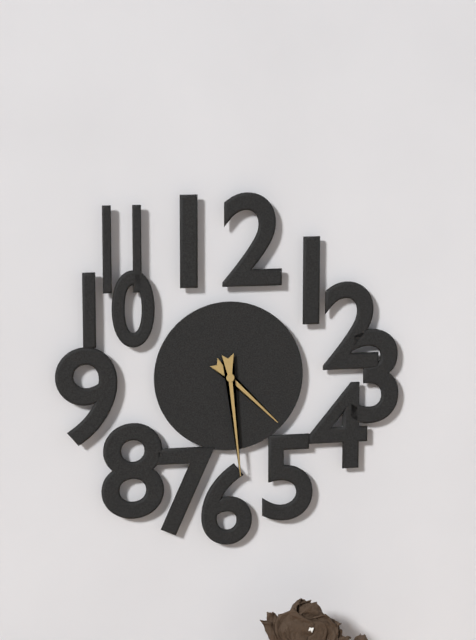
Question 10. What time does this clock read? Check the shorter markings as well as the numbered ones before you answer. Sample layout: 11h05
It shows 4h29
